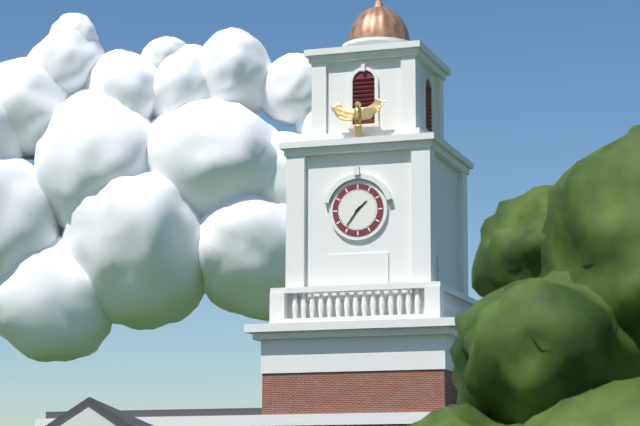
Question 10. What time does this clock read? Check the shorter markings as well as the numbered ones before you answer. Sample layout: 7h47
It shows 1h36
